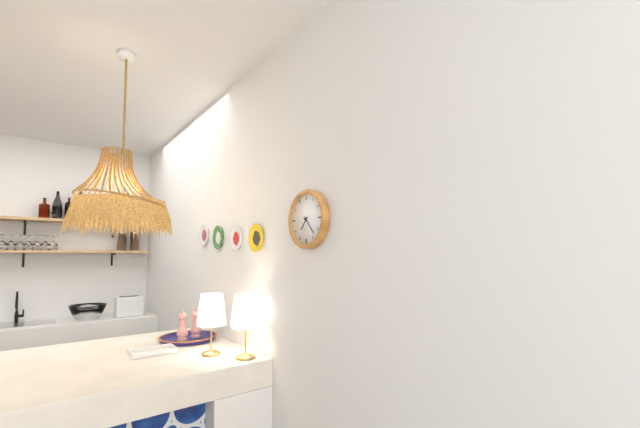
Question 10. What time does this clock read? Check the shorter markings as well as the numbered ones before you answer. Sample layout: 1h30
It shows 7h23
